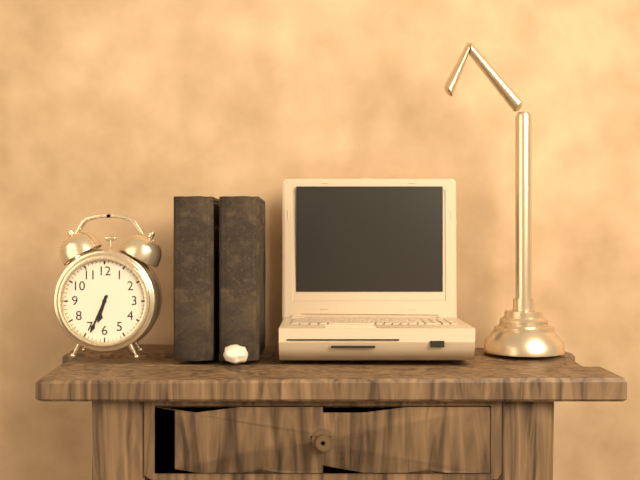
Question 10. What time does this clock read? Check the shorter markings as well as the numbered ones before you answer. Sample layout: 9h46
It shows 6h34
